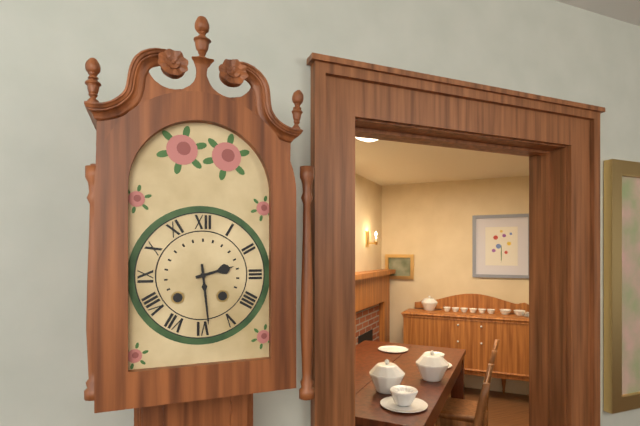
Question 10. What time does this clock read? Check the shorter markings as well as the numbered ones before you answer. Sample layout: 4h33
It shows 2h29
